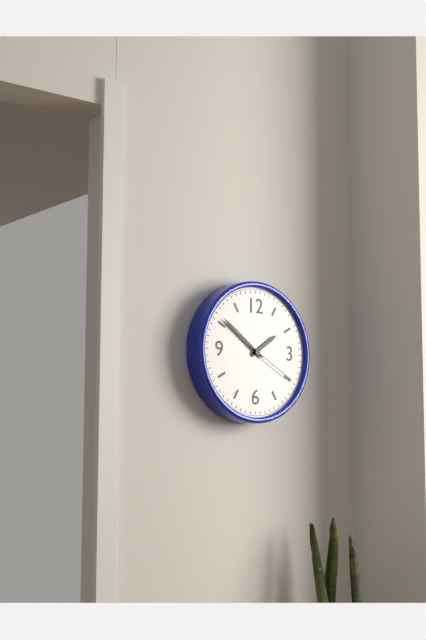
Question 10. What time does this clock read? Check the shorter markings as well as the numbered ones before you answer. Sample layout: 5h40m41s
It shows 1h51m20s
